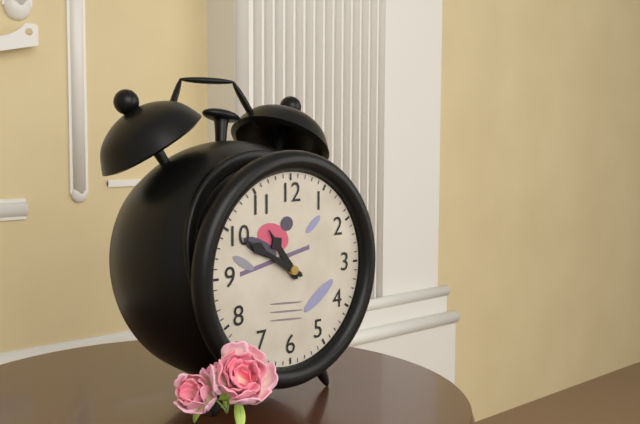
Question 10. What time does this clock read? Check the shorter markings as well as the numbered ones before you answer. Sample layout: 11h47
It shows 10h50
